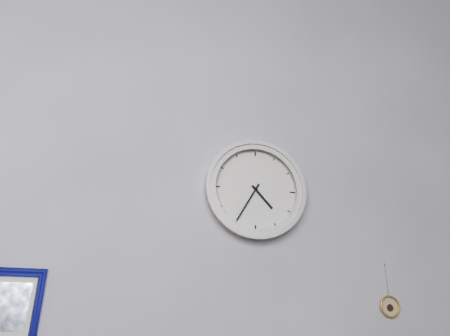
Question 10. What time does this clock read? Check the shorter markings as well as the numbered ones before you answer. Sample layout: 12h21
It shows 4h35
